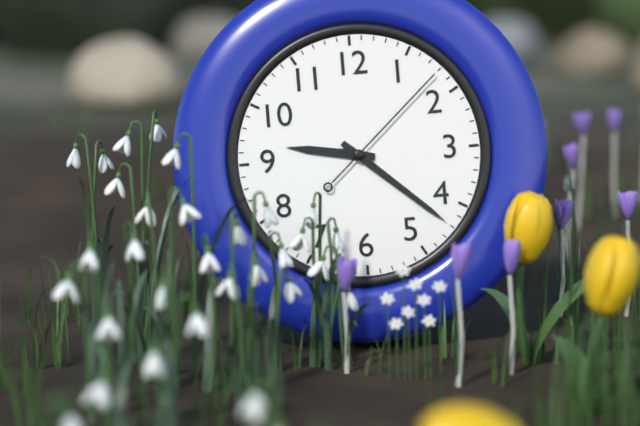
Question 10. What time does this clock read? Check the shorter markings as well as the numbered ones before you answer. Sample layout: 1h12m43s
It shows 9h22m08s
